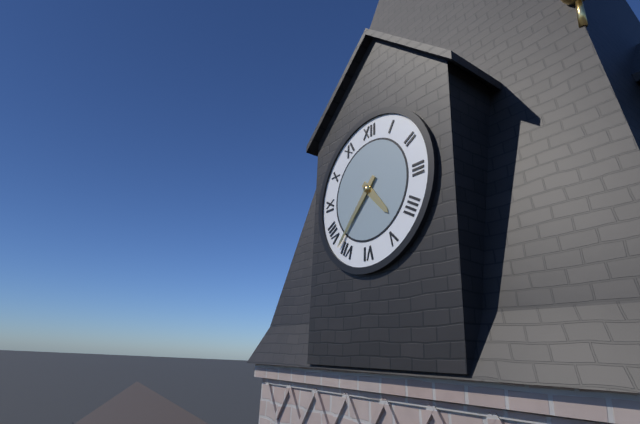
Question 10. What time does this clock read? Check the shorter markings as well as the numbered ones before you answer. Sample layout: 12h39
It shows 4h37
